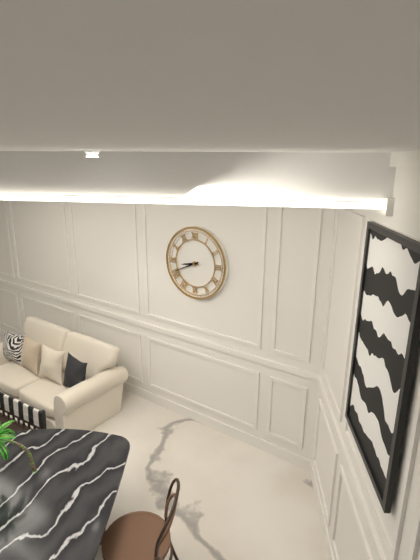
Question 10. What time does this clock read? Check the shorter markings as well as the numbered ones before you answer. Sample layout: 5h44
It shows 8h41
